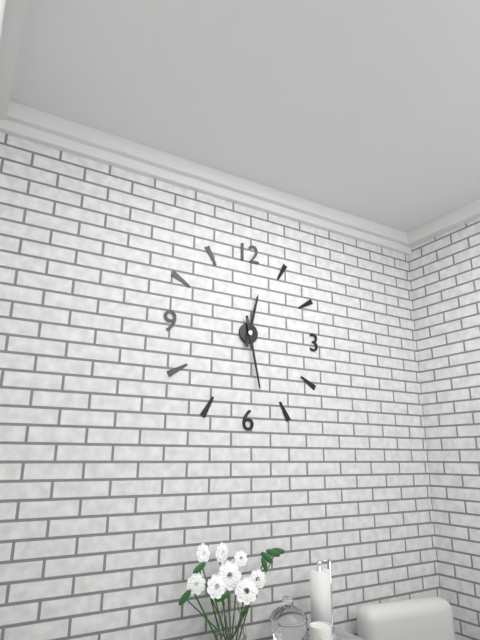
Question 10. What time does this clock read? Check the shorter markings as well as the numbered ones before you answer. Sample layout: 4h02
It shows 12h28
